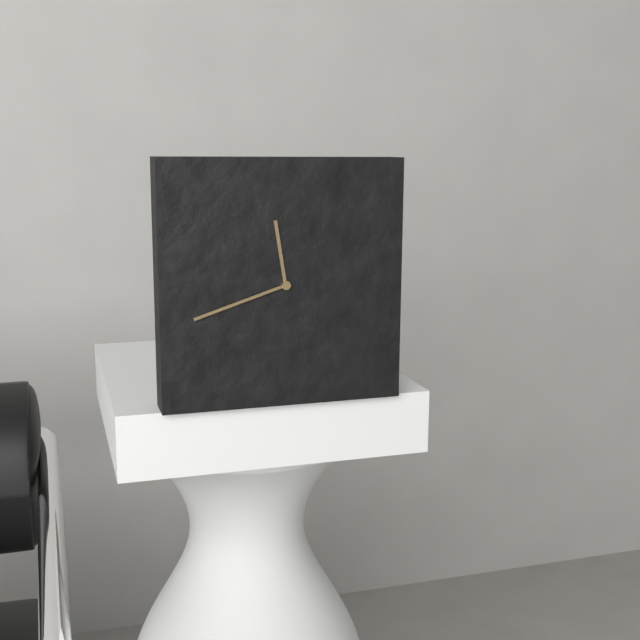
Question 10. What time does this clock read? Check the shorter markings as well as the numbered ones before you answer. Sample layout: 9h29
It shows 11h42
